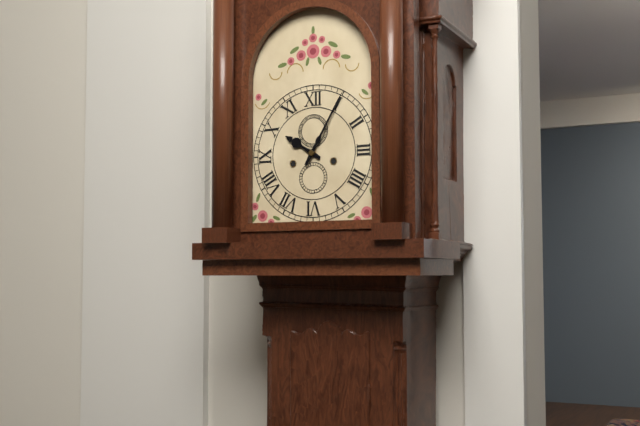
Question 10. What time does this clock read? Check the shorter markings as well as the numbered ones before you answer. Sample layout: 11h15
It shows 10h05
